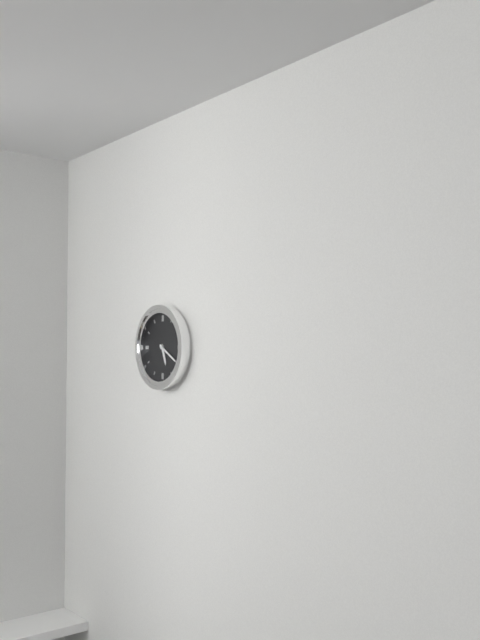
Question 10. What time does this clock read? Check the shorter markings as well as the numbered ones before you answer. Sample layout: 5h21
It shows 5h20
